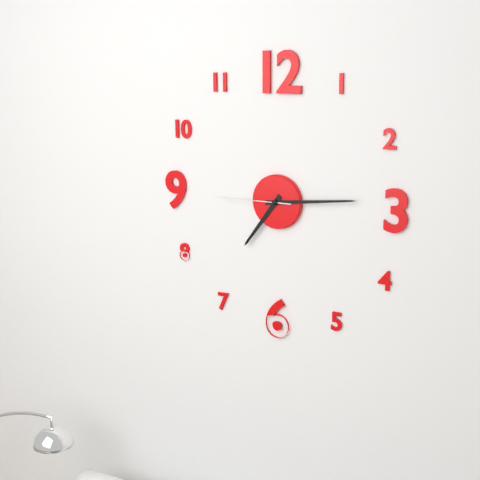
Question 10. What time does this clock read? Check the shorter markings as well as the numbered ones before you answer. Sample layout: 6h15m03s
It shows 7h14m45s
